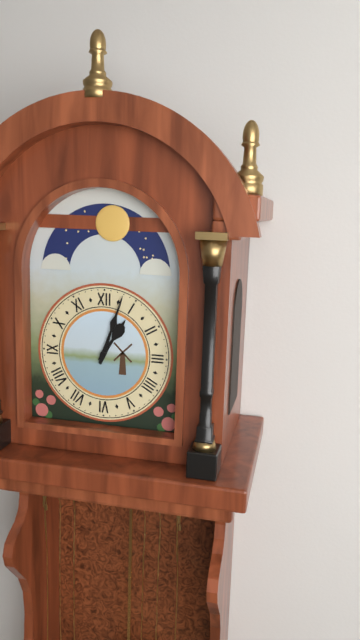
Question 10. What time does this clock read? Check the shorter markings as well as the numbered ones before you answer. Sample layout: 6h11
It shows 1h03
